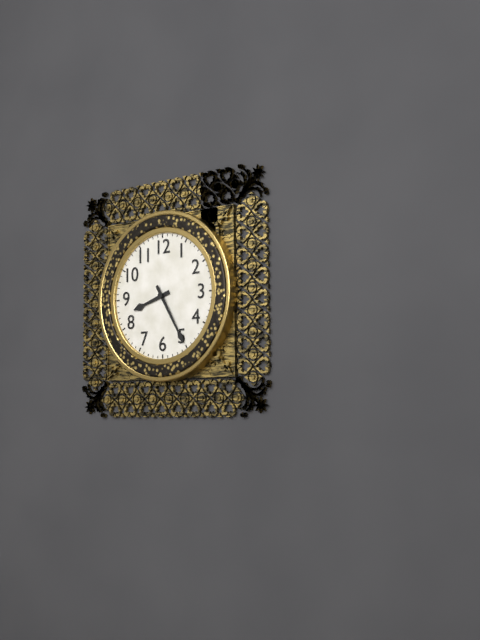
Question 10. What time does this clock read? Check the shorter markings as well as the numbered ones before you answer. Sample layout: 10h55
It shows 8h25
